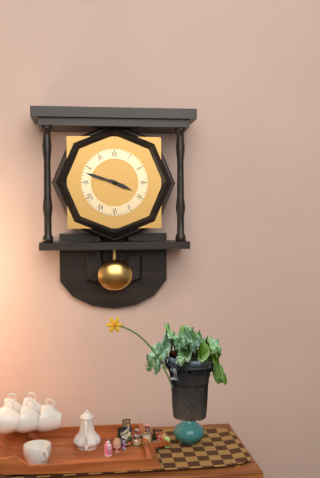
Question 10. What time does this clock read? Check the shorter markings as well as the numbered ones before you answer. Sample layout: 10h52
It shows 3h48
